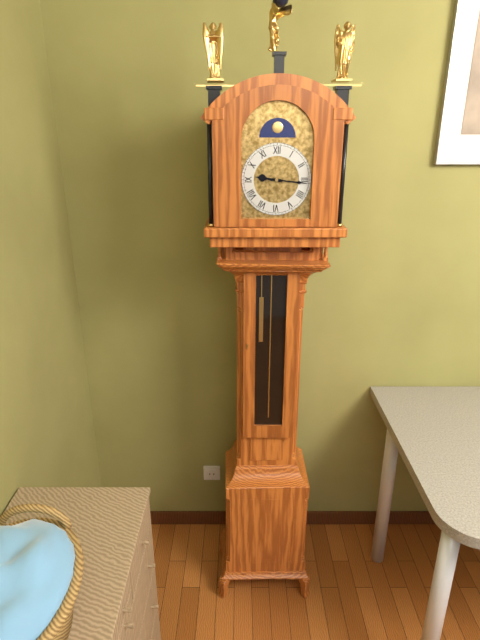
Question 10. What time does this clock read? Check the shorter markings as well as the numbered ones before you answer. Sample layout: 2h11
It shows 9h16
